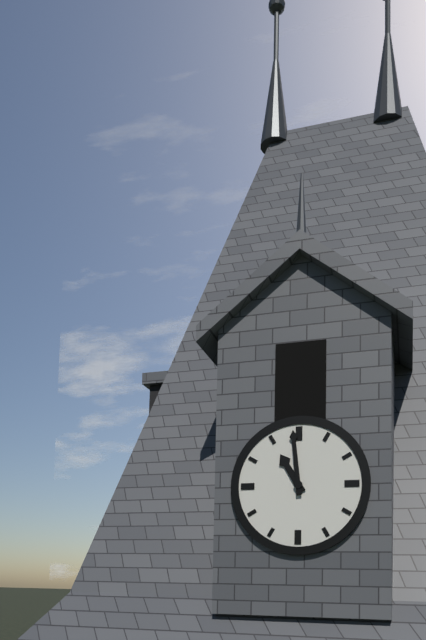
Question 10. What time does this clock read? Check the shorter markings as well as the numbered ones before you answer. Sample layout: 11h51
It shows 10h59
